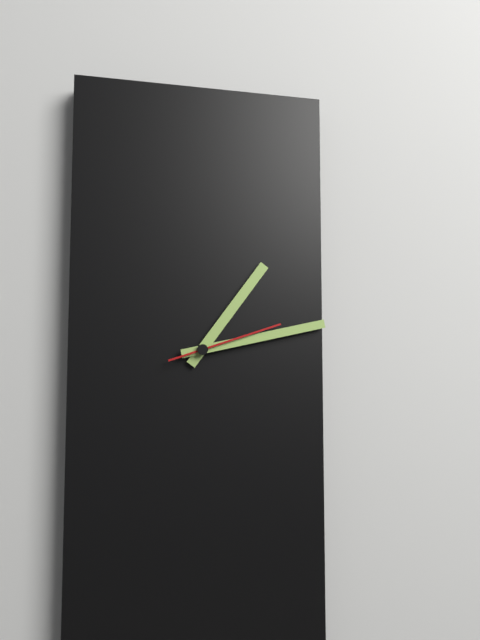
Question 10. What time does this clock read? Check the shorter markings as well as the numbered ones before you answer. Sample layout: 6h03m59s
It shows 1h13m12s
